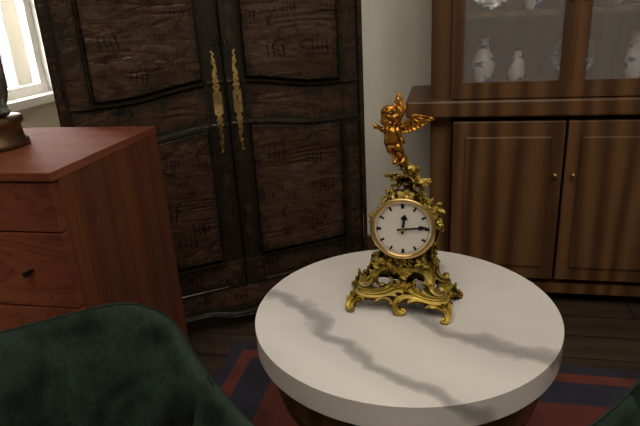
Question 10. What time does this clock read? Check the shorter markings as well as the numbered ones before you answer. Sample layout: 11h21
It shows 12h14
